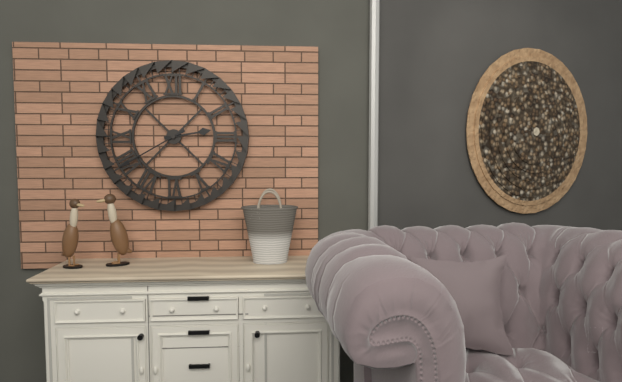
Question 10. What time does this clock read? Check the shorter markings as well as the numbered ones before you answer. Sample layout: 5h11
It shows 2h40
